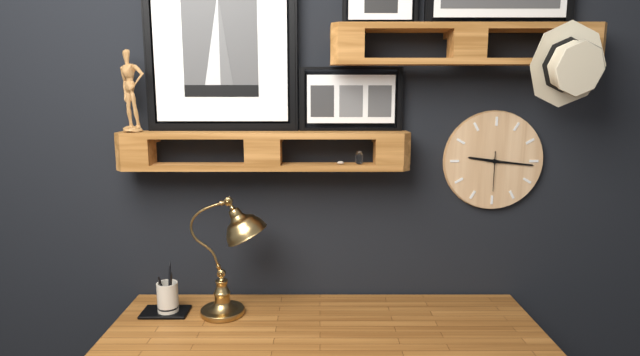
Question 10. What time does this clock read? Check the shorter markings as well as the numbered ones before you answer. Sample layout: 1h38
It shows 9h16
